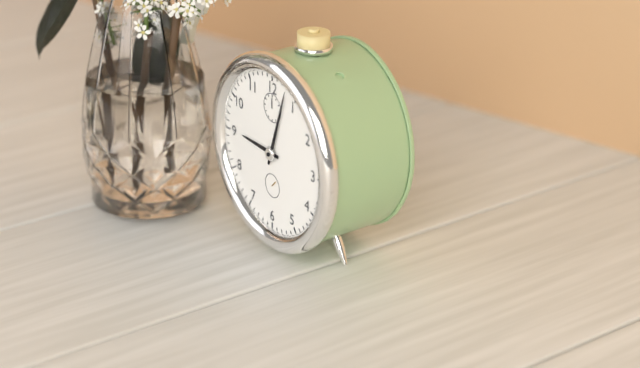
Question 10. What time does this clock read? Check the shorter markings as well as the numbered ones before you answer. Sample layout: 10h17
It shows 9h03
